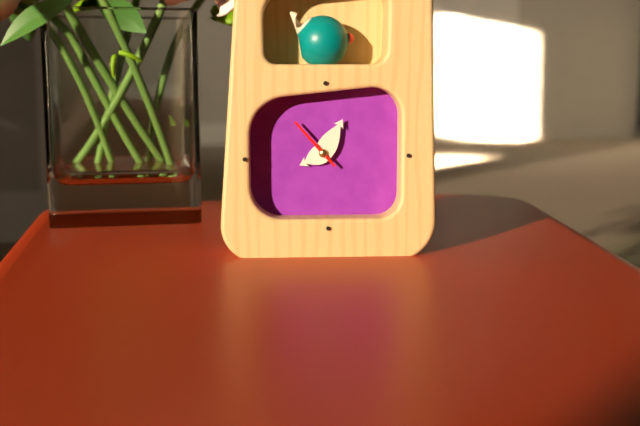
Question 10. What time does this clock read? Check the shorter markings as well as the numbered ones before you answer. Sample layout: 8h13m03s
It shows 8h05m53s
